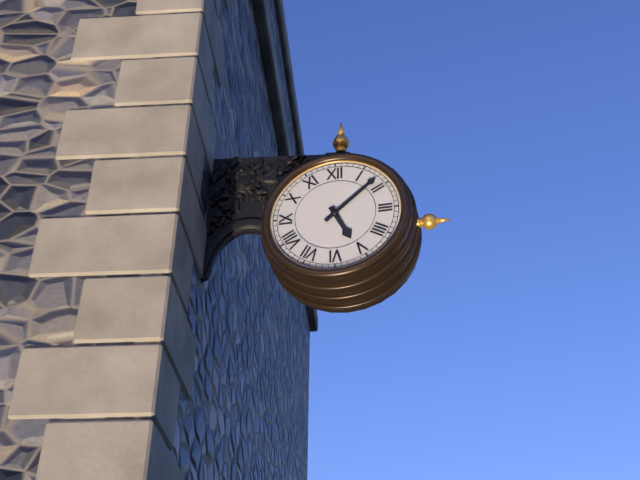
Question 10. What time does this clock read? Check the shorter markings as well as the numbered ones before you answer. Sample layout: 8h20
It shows 5h08
